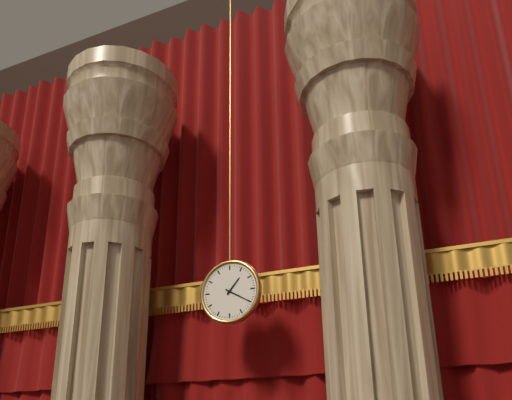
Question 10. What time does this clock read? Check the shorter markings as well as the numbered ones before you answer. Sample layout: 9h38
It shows 1h20
